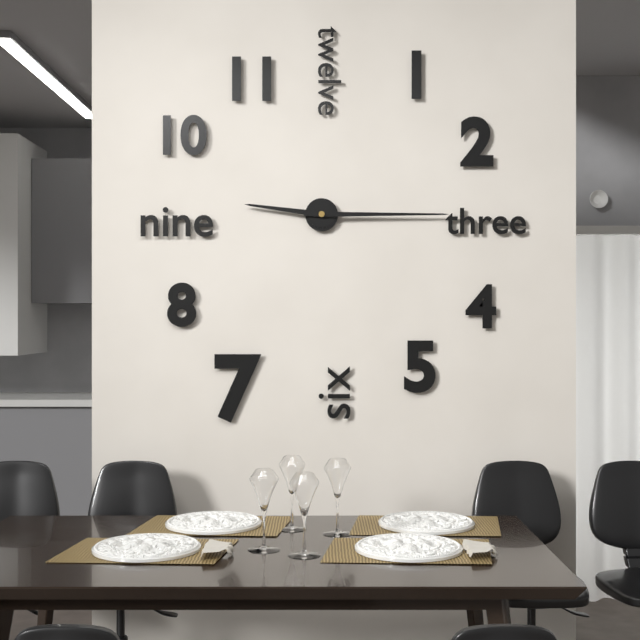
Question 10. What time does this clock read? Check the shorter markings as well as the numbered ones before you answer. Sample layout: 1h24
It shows 9h15
